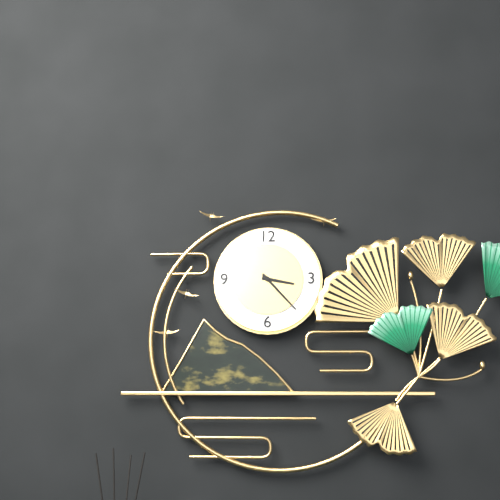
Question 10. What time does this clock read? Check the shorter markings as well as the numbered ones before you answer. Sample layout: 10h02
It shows 3h23
